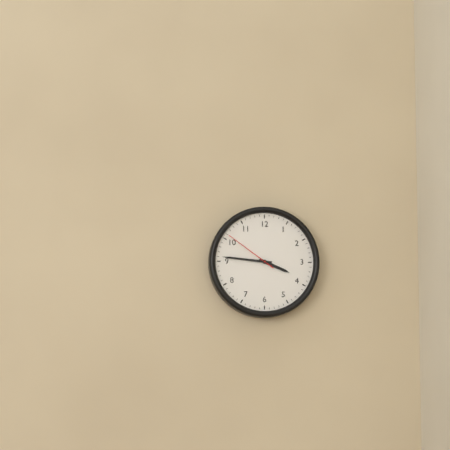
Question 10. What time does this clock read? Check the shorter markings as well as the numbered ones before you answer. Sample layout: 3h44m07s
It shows 3h46m51s
